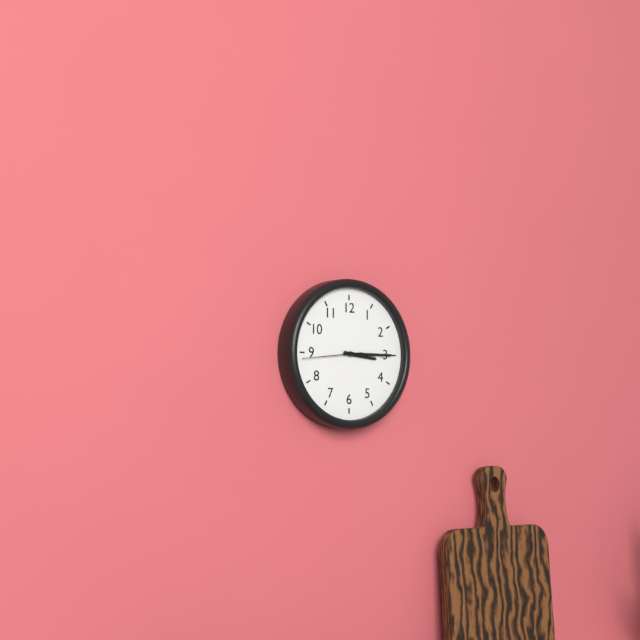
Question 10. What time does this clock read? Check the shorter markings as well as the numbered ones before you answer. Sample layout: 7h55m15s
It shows 3h15m44s
